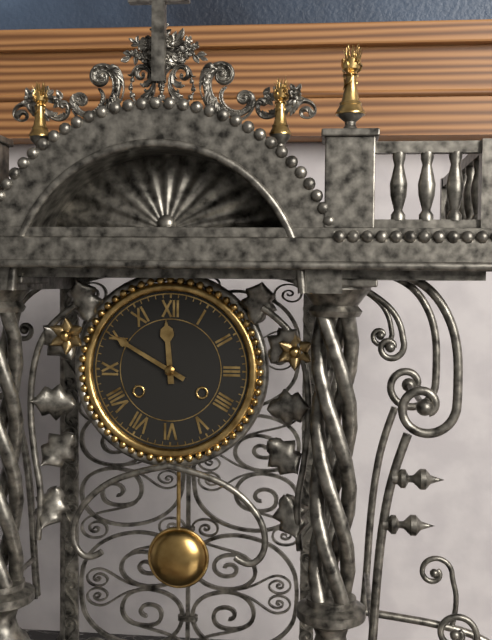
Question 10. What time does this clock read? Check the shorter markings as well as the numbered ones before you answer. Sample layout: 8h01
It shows 11h50
